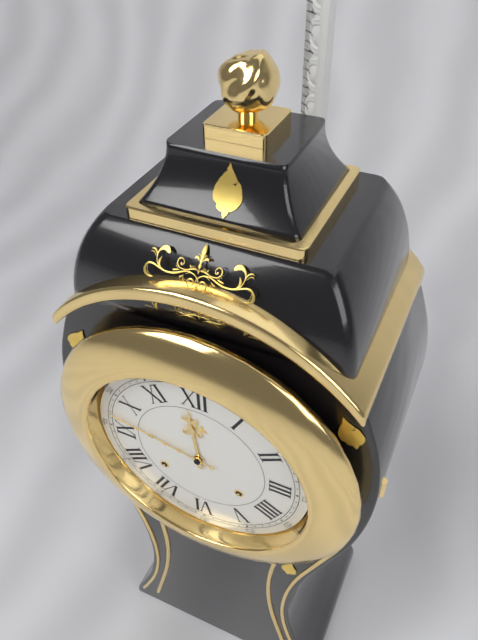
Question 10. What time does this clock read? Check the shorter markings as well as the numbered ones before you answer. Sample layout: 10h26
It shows 11h47
